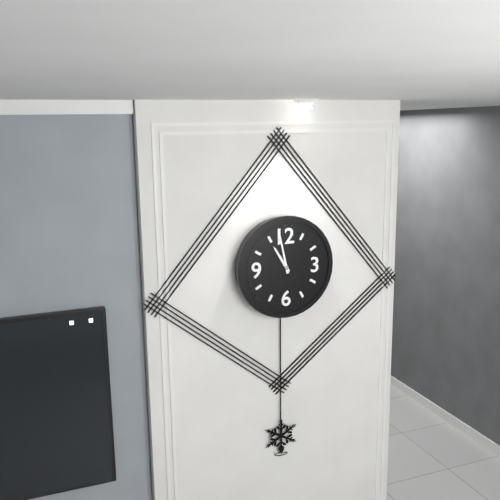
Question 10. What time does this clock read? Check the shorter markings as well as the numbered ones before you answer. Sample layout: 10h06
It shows 10h58
